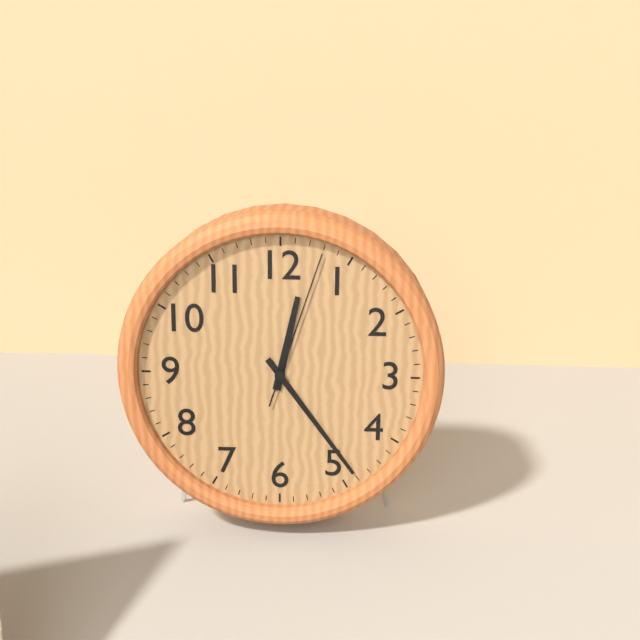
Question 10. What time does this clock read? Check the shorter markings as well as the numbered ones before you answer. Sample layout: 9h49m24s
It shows 12h24m03s
